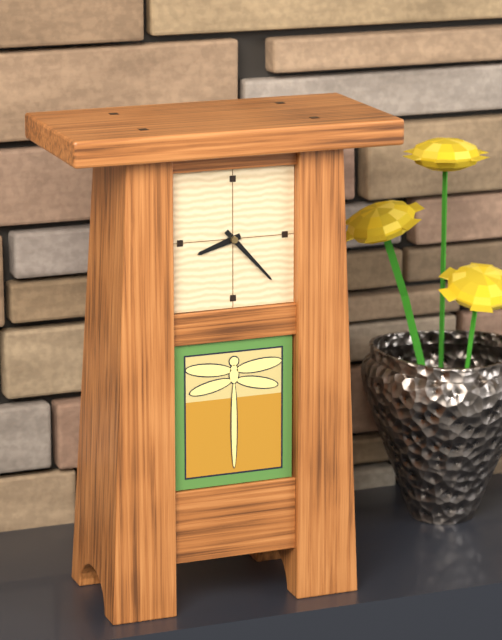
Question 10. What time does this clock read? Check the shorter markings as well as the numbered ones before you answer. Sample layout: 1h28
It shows 8h23
